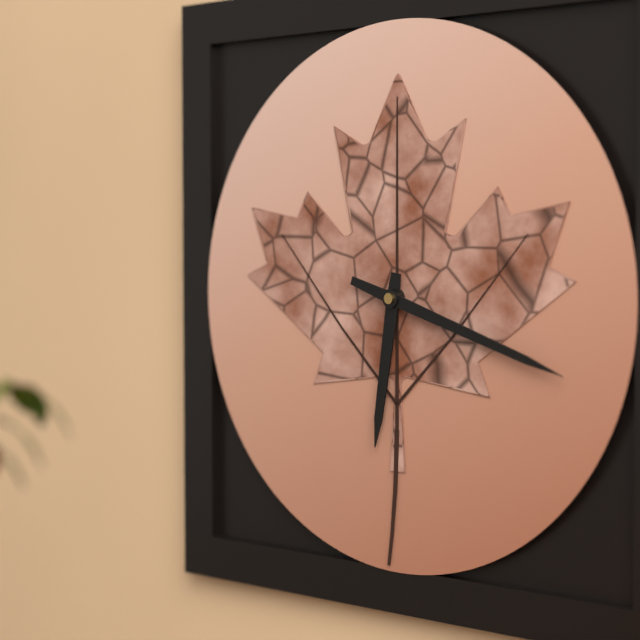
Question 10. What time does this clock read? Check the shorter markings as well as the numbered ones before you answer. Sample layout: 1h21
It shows 6h18
